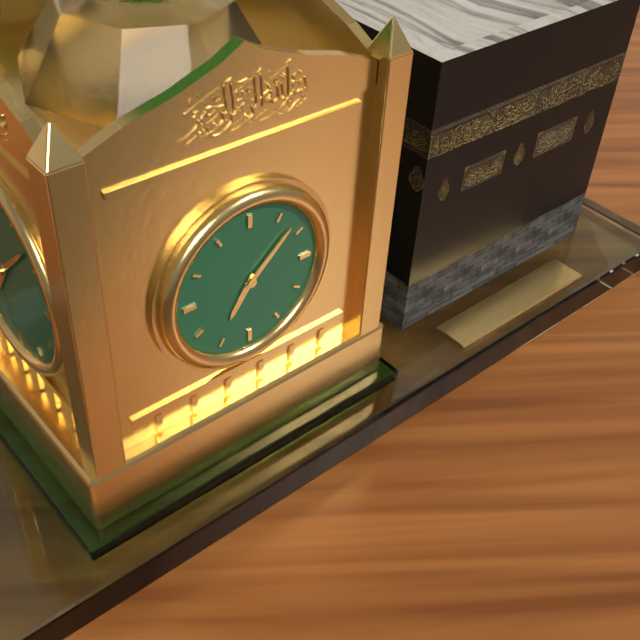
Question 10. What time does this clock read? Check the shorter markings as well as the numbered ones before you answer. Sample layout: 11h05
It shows 7h08
